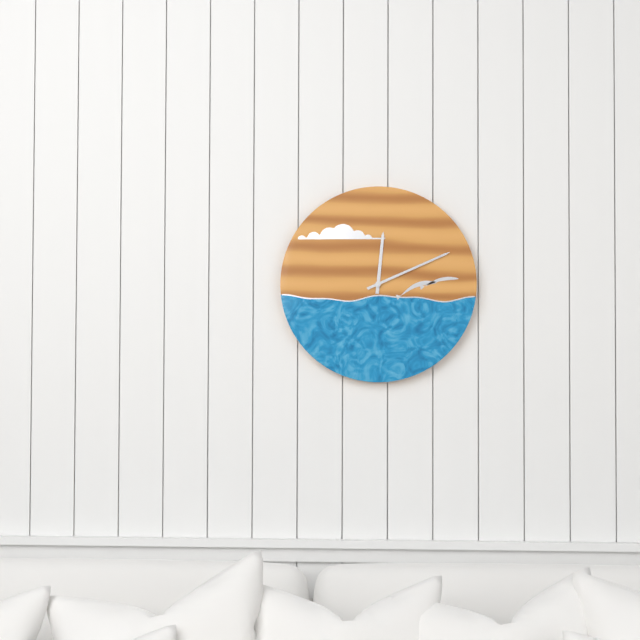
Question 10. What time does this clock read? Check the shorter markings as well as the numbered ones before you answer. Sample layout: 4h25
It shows 12h11
